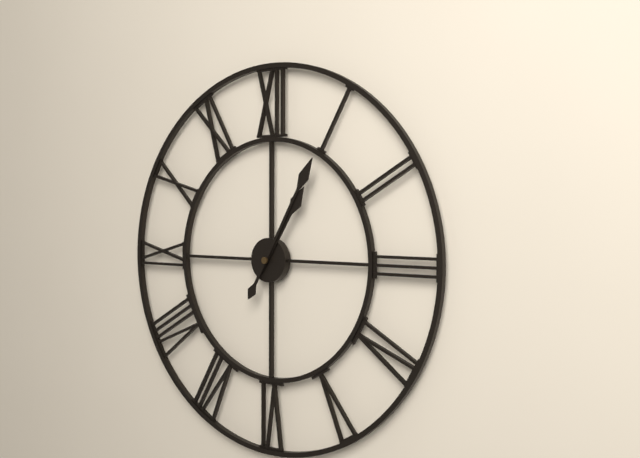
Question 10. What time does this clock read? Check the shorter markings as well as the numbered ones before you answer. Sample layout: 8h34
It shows 1h05
